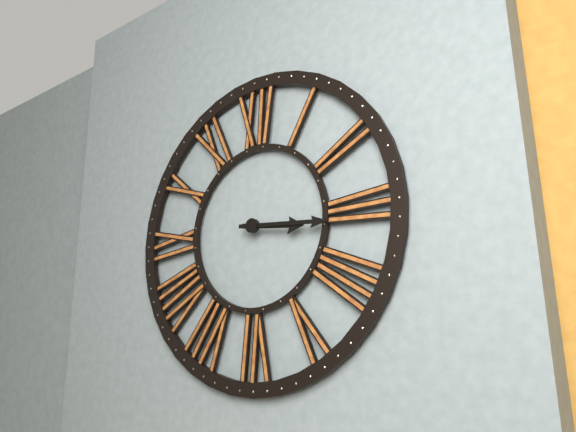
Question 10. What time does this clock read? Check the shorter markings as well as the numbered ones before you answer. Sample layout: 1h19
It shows 3h16
